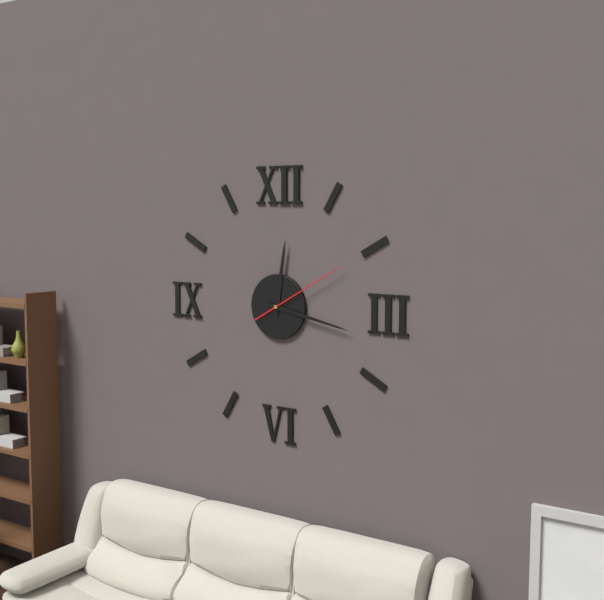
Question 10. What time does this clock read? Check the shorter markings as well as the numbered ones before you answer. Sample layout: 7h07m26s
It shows 12h17m10s
